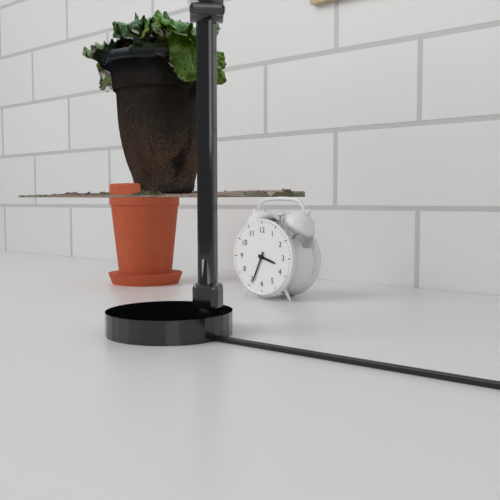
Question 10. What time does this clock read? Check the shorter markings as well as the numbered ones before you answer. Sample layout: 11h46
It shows 3h34
